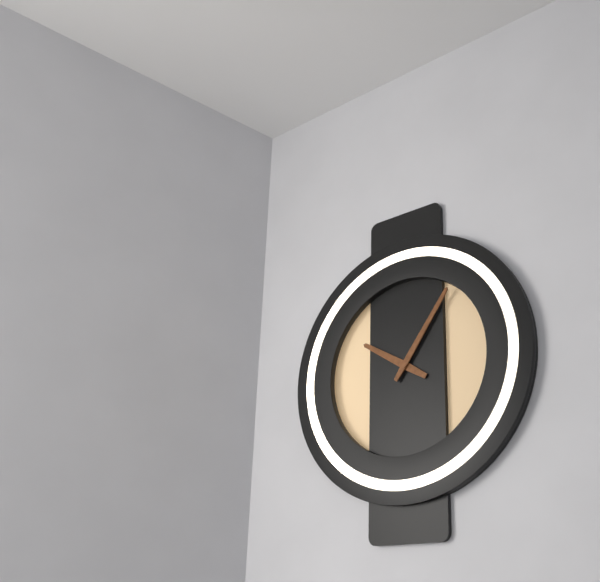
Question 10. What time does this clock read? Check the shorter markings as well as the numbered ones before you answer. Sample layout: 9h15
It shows 10h06
